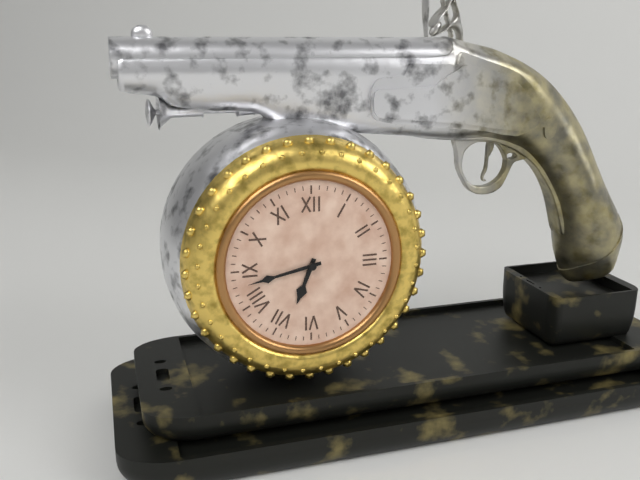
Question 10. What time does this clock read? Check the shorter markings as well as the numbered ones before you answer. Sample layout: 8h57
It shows 6h43
